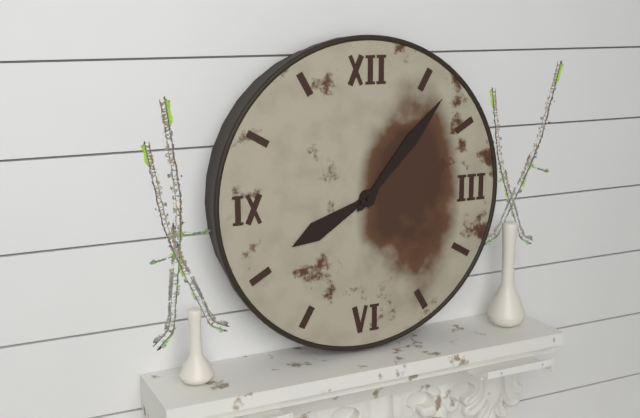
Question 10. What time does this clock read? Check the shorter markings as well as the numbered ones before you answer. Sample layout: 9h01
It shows 8h07
